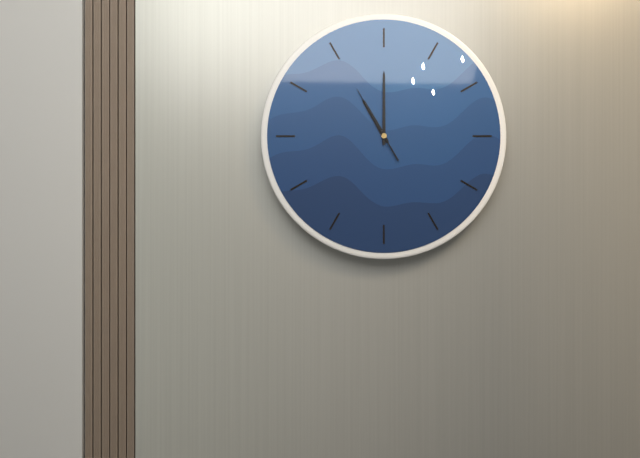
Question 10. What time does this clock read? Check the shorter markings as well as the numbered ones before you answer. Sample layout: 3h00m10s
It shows 11h00m55s
